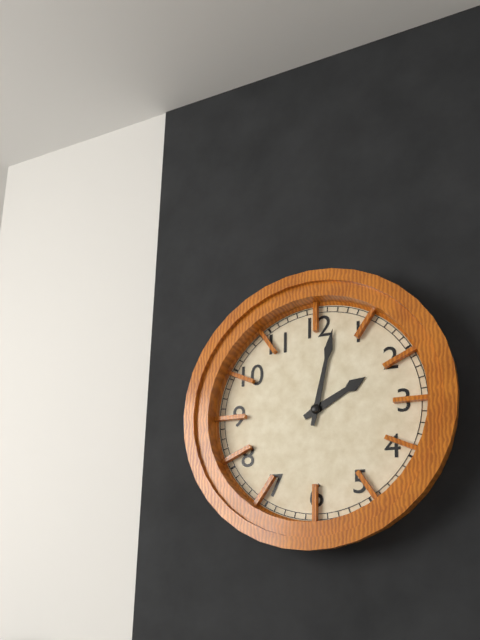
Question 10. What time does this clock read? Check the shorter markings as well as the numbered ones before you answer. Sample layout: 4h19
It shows 2h02
